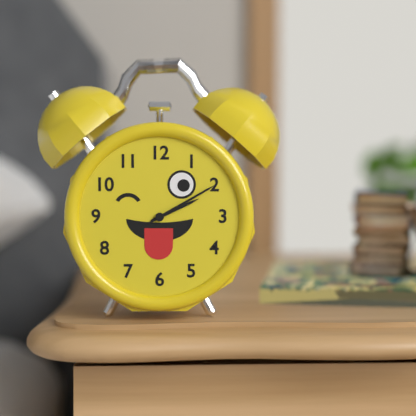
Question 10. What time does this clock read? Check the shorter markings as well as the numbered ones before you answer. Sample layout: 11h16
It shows 2h10
